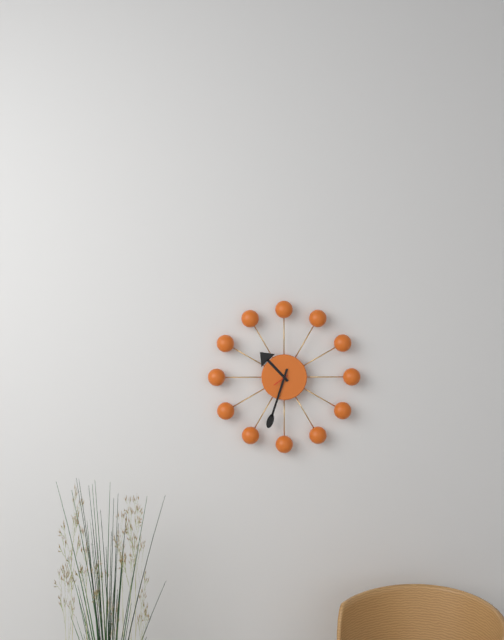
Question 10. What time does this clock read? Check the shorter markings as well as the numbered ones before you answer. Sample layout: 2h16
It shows 10h33
